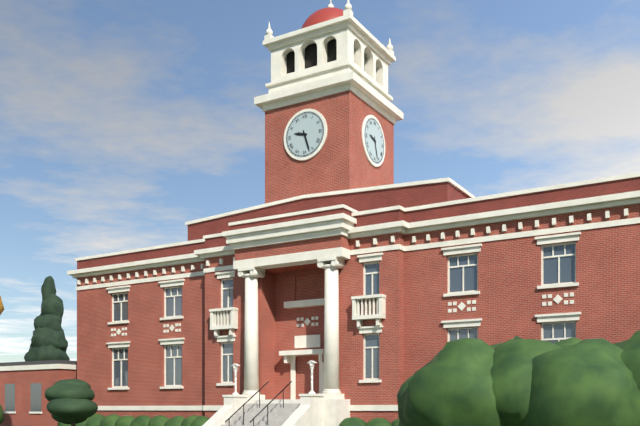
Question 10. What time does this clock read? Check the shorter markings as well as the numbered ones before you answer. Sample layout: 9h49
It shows 9h27
